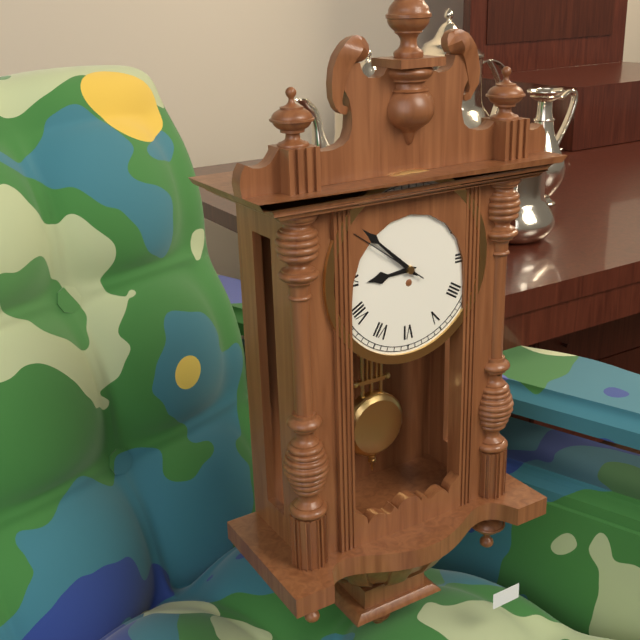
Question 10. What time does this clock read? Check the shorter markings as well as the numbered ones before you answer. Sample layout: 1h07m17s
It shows 8h52m51s
